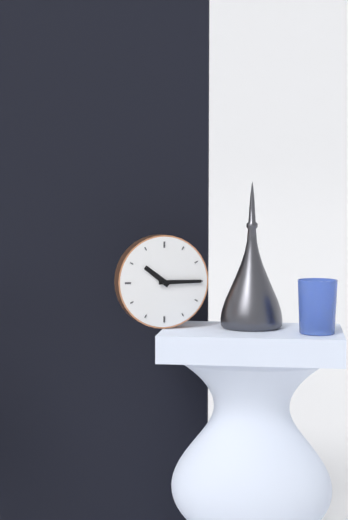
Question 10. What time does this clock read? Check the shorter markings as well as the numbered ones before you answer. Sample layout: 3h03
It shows 10h15
